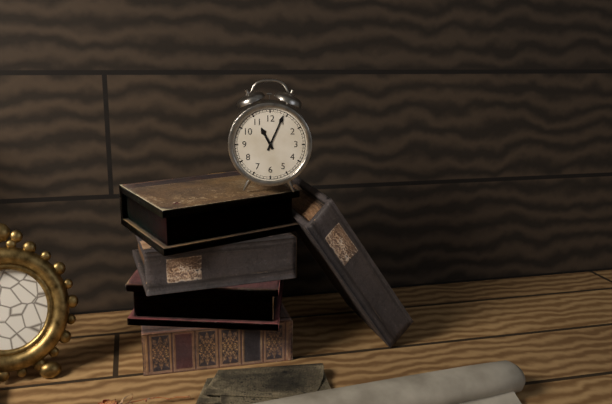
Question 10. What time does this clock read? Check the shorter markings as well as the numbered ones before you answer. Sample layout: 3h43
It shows 11h04
